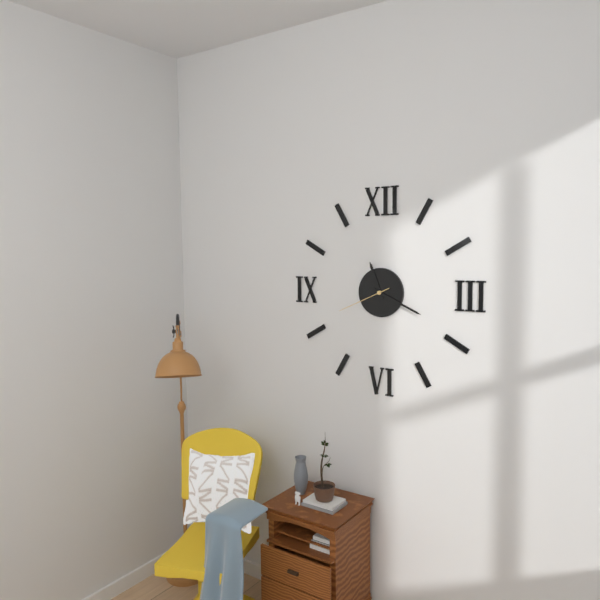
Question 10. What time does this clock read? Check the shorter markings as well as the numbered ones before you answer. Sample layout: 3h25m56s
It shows 11h19m41s
